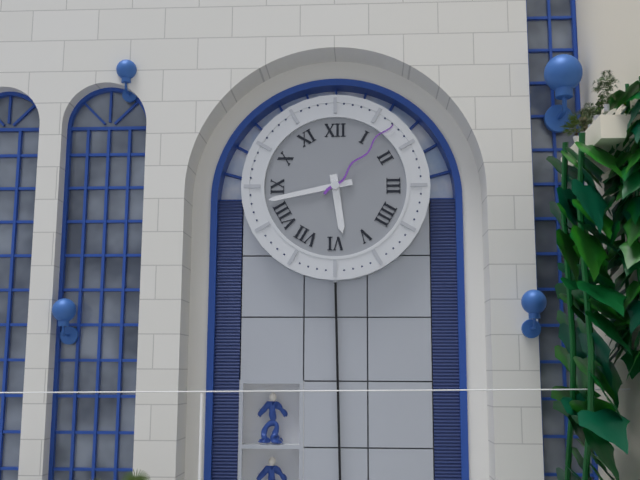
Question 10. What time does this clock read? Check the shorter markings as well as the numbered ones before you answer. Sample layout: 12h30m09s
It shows 5h43m07s
